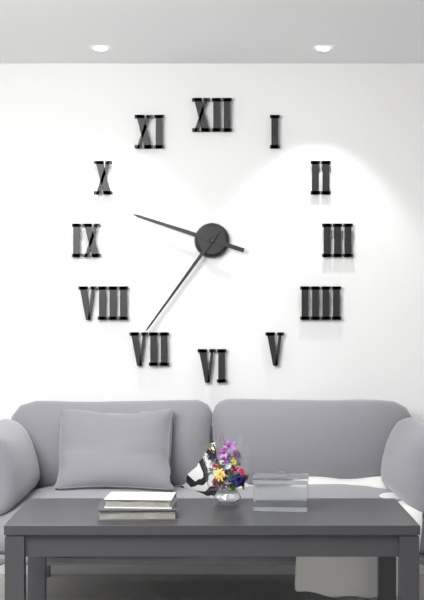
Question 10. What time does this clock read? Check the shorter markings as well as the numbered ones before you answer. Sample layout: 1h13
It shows 9h36
